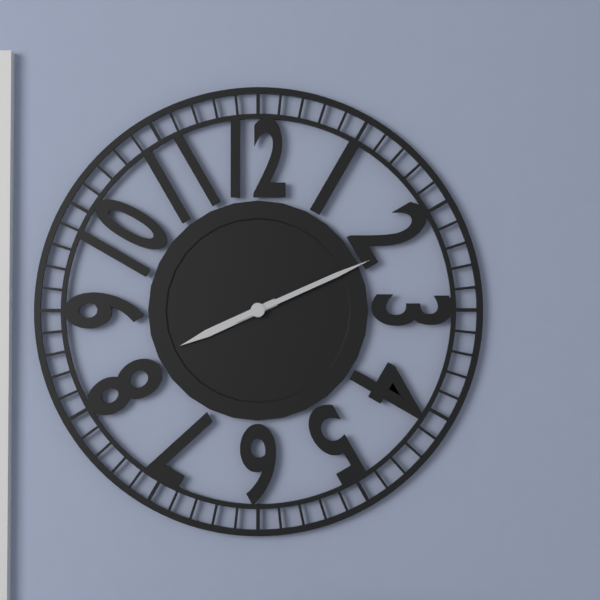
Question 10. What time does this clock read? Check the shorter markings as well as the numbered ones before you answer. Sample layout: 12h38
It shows 8h11
